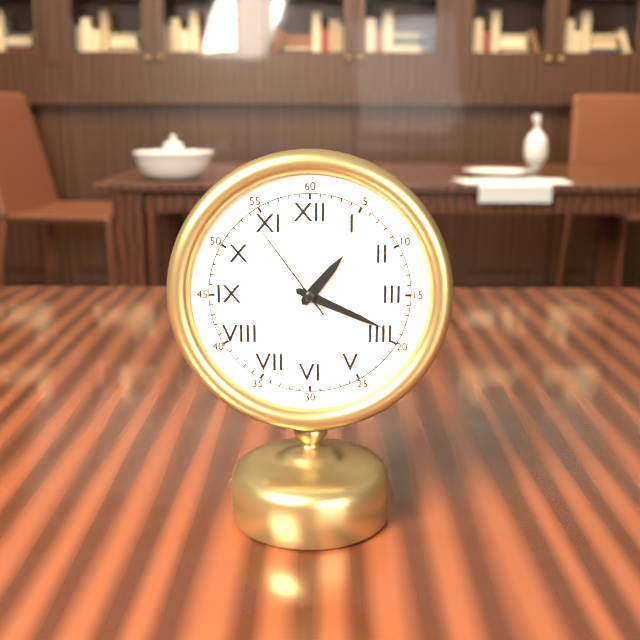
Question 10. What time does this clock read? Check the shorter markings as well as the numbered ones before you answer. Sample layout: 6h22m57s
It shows 1h19m54s
